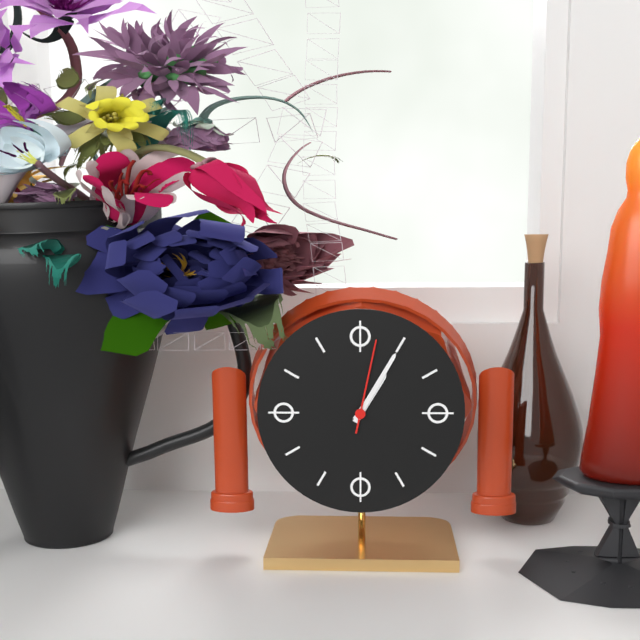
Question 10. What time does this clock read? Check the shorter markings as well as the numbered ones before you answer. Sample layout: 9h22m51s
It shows 1h05m02s
